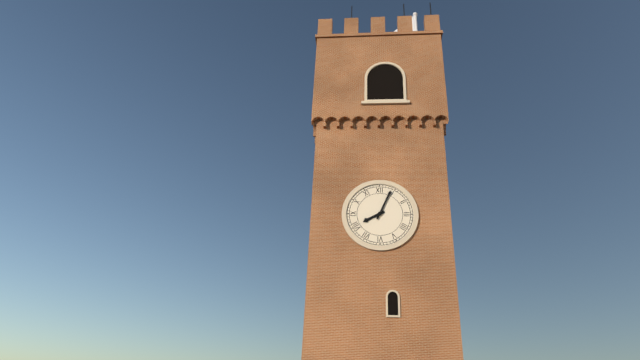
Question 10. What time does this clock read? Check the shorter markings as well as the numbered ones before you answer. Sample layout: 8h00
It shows 8h04
